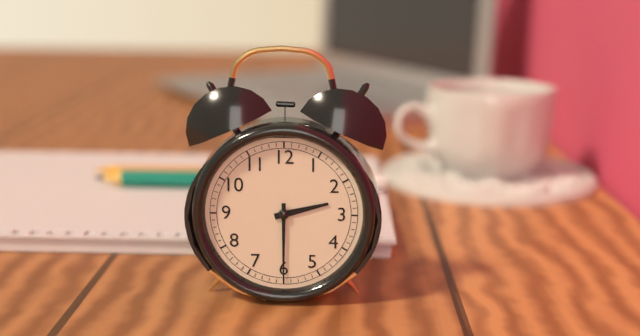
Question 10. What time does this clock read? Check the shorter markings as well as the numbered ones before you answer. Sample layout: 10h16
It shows 2h30
